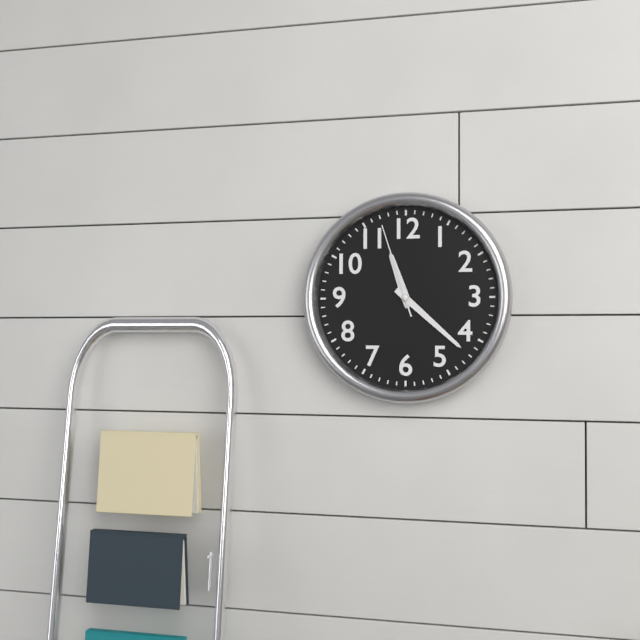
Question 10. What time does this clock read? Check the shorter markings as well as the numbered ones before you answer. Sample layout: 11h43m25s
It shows 11h22m57s
